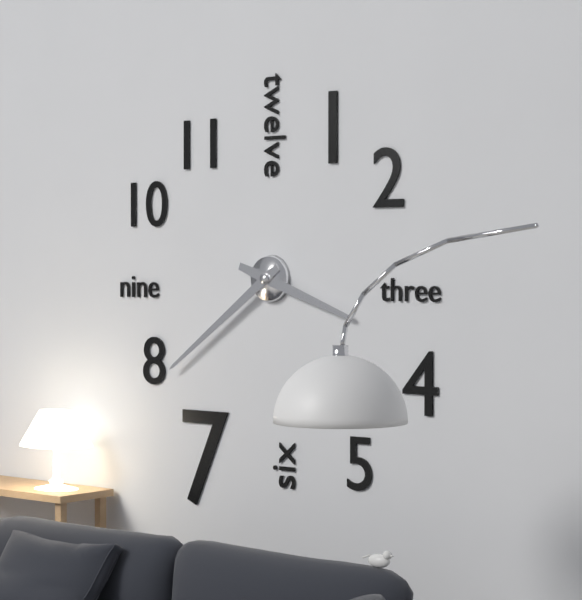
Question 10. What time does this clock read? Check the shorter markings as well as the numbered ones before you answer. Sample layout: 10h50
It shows 3h39
